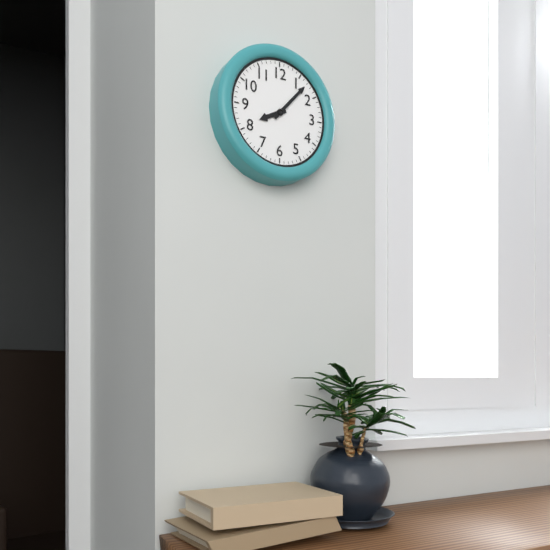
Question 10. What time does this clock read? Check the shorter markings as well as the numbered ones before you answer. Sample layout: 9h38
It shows 8h07
